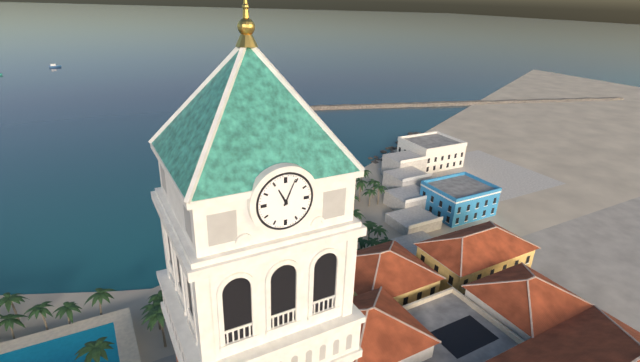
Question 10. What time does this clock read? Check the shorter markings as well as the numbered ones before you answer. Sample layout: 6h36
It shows 11h04
